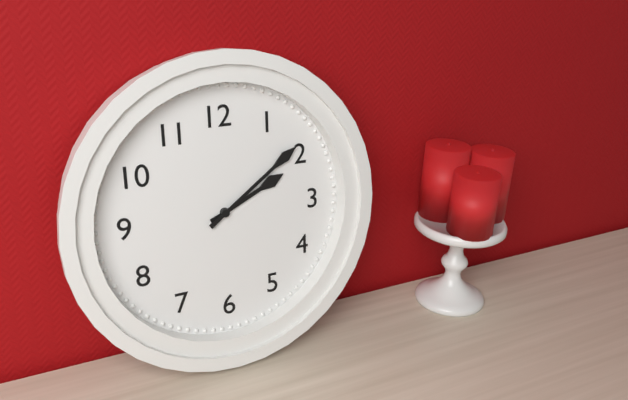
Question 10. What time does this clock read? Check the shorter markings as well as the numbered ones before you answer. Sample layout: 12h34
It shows 2h09
